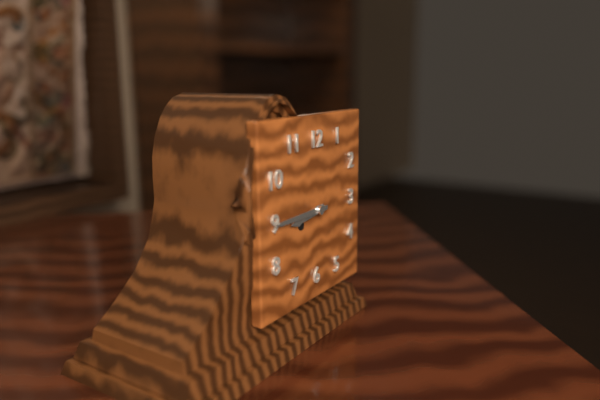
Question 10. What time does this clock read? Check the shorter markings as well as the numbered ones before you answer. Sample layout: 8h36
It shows 8h45
